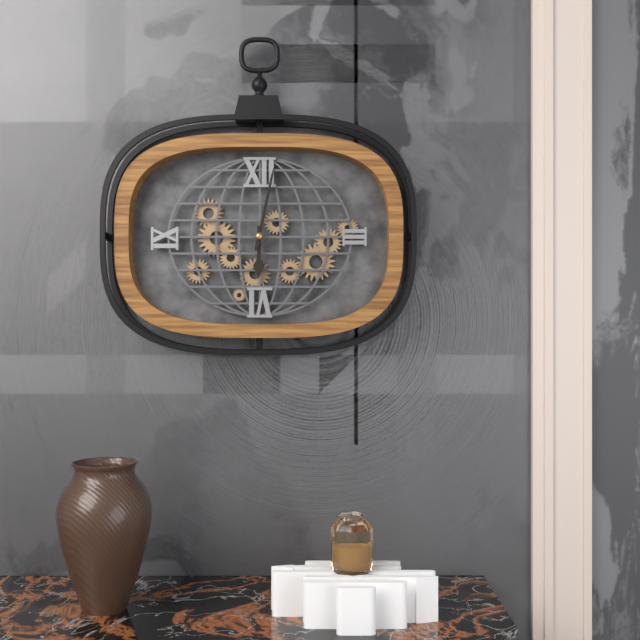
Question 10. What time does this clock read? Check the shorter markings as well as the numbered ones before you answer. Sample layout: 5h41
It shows 6h02
